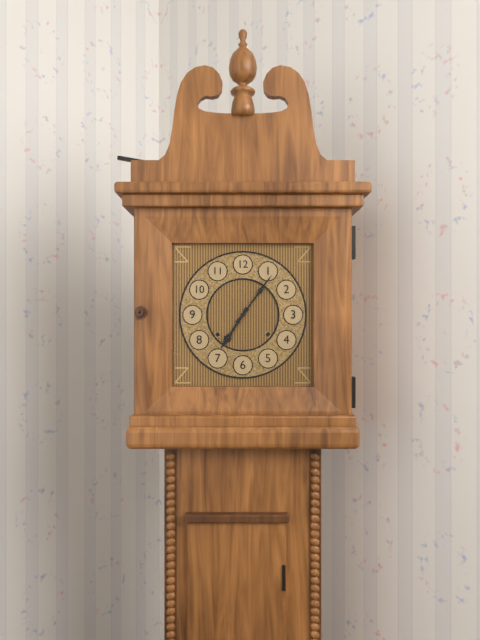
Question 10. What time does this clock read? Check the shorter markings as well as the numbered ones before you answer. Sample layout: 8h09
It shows 7h06
